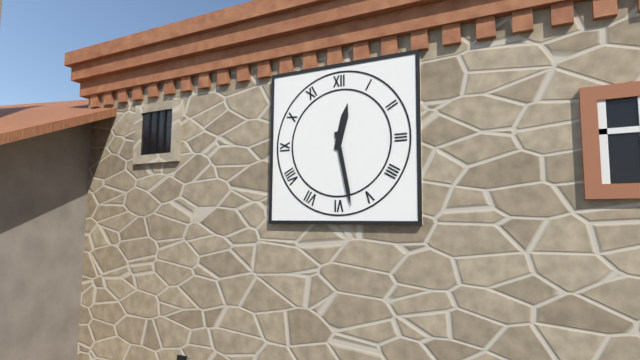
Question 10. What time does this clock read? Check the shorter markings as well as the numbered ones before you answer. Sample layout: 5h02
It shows 12h28
